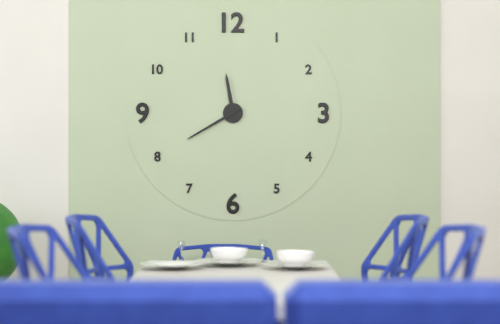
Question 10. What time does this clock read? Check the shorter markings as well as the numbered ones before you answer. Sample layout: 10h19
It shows 11h40
